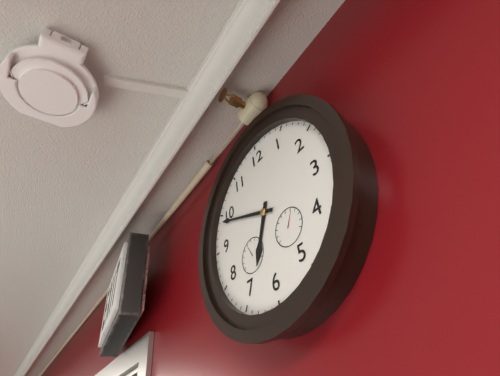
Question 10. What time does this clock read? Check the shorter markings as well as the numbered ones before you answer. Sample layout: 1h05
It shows 6h49
